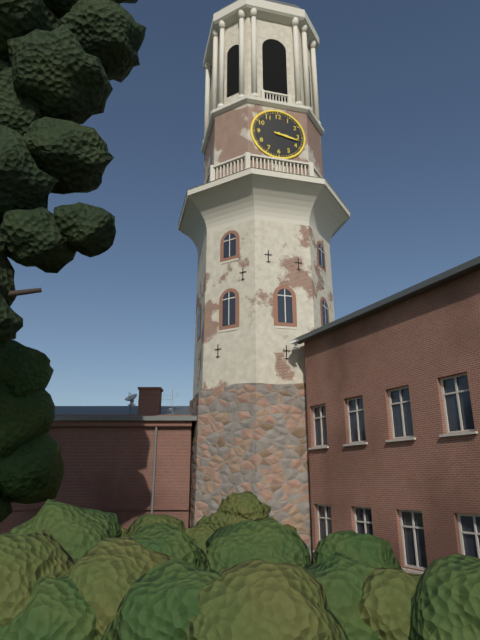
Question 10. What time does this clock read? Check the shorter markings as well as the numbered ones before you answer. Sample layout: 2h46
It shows 3h17
